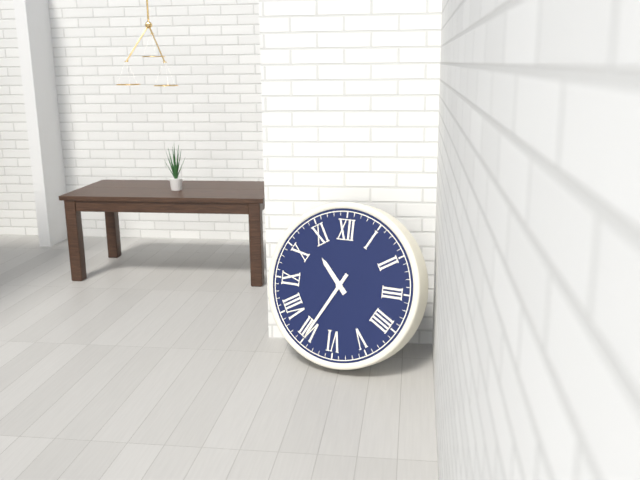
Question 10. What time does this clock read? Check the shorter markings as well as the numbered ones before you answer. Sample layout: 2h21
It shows 10h35
